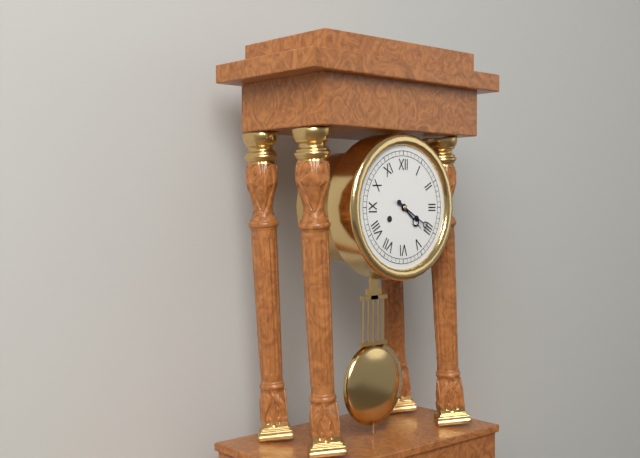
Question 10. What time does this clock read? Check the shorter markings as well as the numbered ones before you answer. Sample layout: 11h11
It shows 4h20
